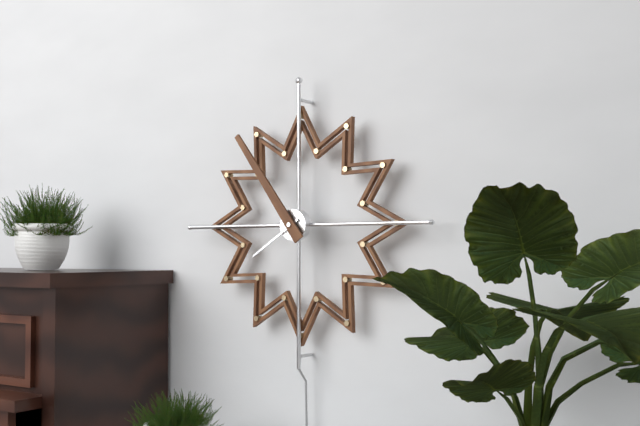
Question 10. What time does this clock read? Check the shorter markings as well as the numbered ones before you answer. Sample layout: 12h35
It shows 7h54
